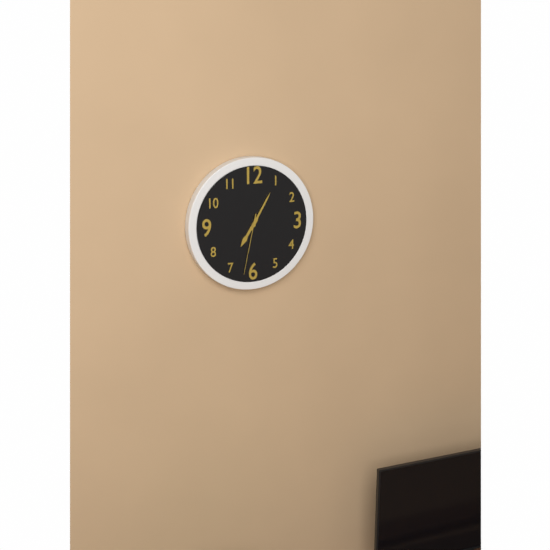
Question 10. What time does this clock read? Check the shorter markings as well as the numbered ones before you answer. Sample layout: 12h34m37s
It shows 7h05m32s
